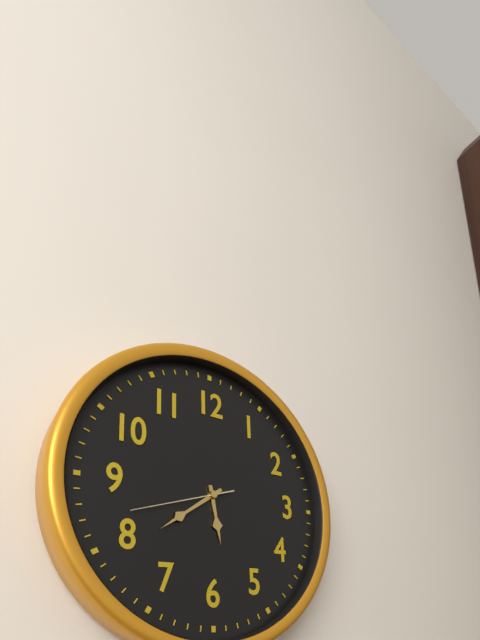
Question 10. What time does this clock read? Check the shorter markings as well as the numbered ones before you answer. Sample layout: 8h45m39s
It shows 5h39m42s
